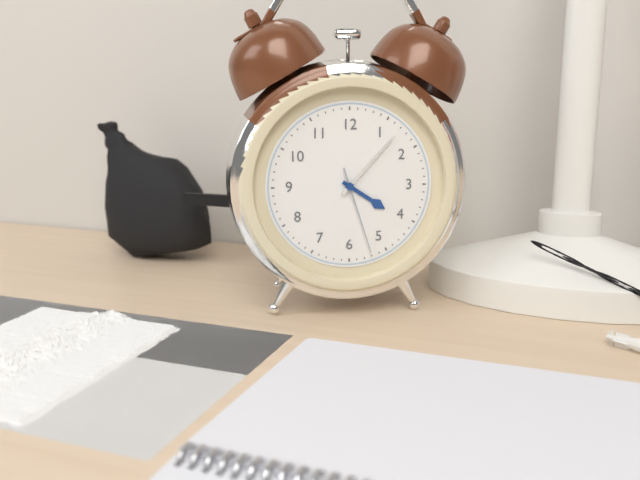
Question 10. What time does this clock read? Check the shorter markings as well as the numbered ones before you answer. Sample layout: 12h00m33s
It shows 4h07m27s
